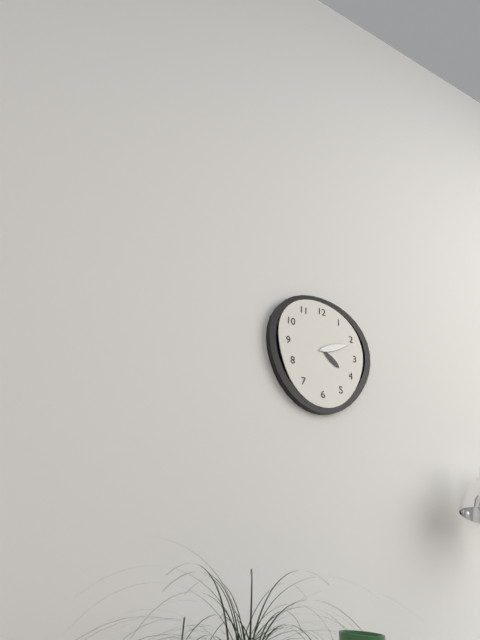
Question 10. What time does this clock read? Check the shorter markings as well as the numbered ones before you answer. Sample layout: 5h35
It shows 4h11
